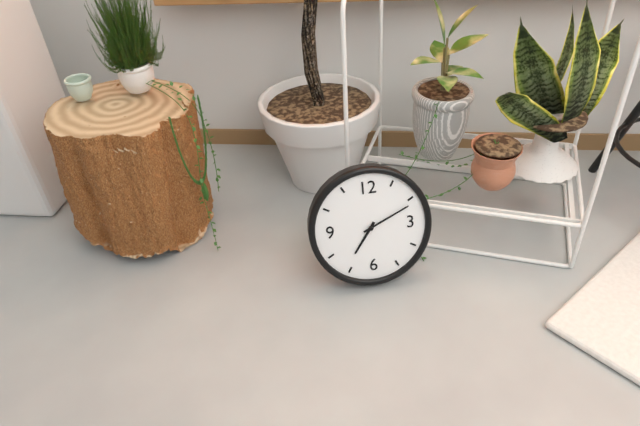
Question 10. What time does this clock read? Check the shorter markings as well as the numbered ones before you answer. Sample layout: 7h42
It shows 7h11
